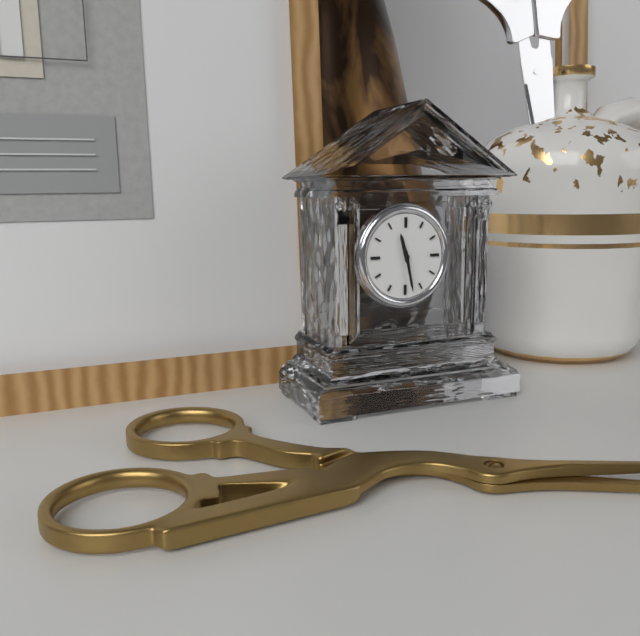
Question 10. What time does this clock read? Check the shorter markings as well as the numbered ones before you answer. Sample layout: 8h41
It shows 11h28
